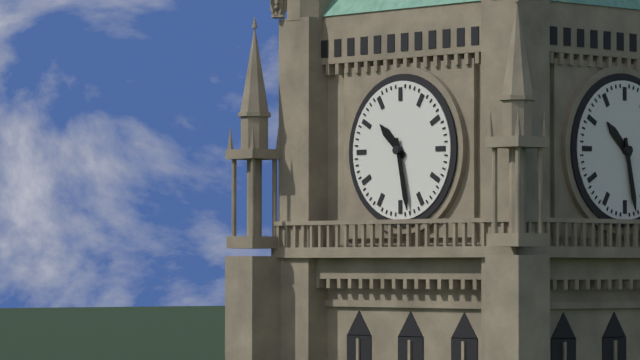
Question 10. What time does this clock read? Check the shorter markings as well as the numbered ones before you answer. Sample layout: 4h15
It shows 10h28
